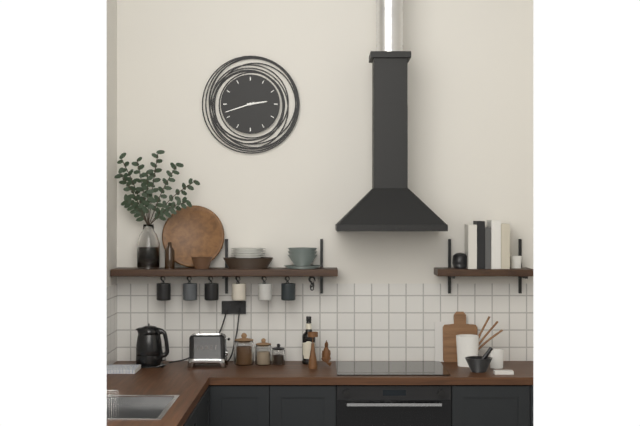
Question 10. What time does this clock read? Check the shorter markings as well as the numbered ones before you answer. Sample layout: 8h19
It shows 2h42
